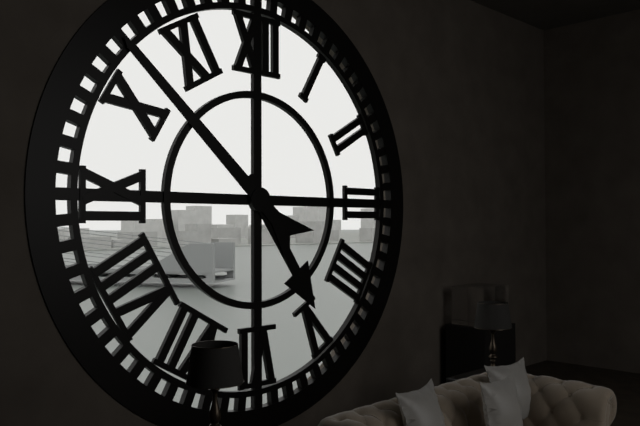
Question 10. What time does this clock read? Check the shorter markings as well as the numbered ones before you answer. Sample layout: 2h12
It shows 4h52
